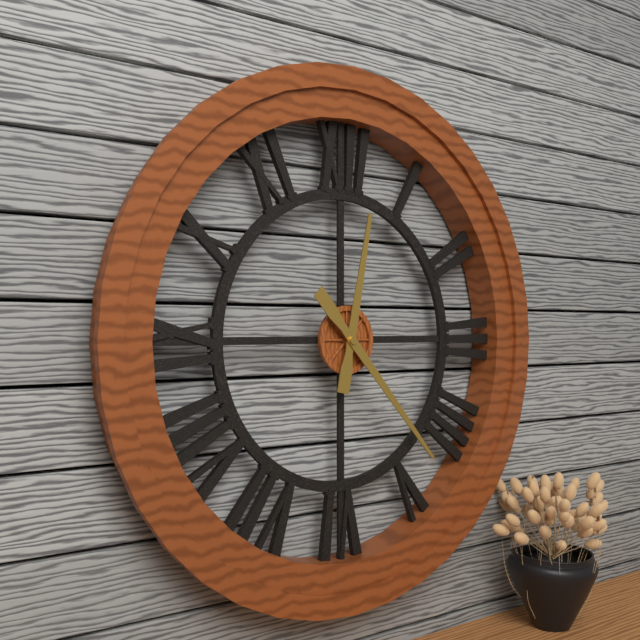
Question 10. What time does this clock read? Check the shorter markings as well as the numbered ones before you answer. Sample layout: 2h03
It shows 12h23
